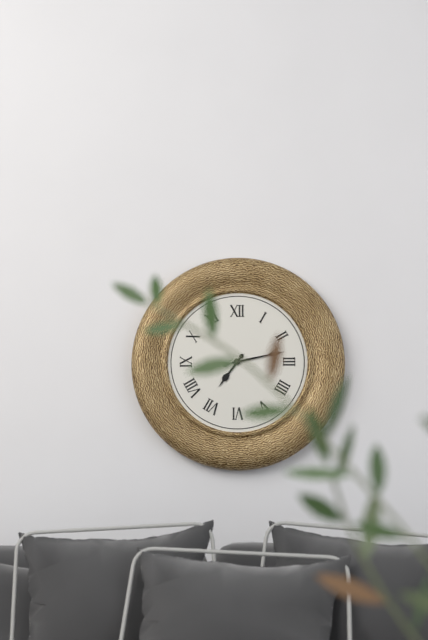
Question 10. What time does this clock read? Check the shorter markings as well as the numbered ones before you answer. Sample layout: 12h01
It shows 7h13
